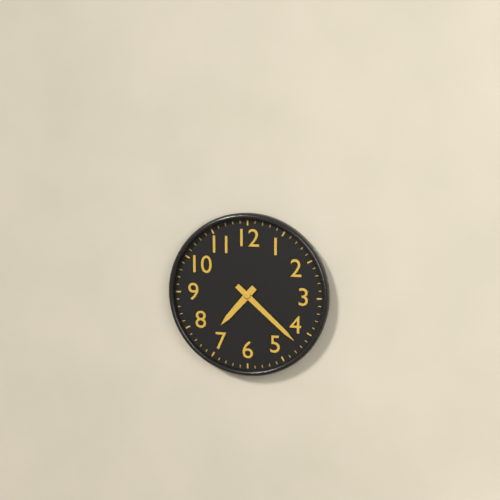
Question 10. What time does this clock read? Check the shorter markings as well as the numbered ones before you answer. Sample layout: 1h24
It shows 7h22
